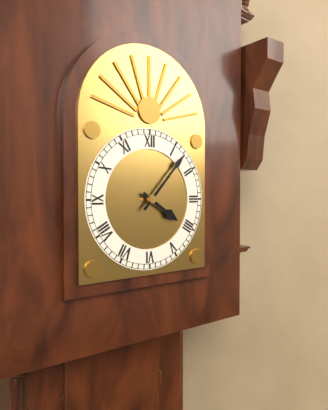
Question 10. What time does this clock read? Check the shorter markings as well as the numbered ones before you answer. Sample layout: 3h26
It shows 4h07
